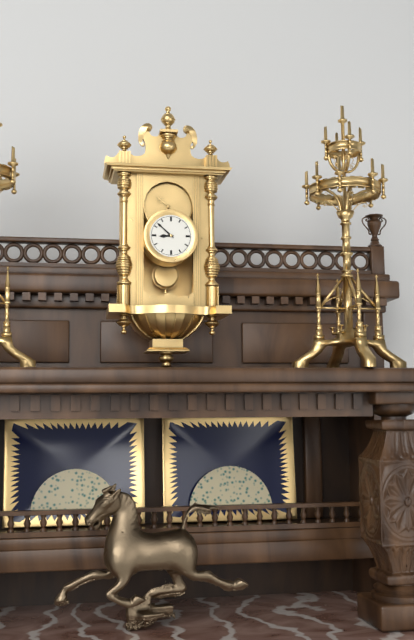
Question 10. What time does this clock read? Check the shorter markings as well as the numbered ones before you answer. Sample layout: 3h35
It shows 8h52
